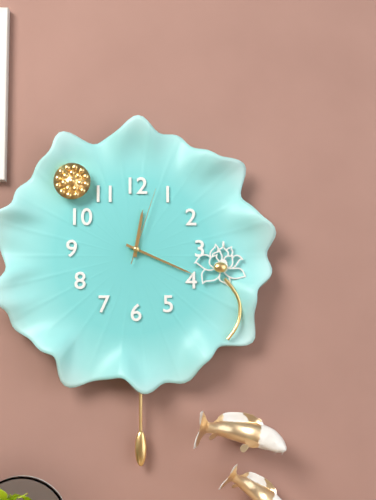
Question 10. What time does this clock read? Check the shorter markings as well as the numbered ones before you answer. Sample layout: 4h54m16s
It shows 12h19m03s
